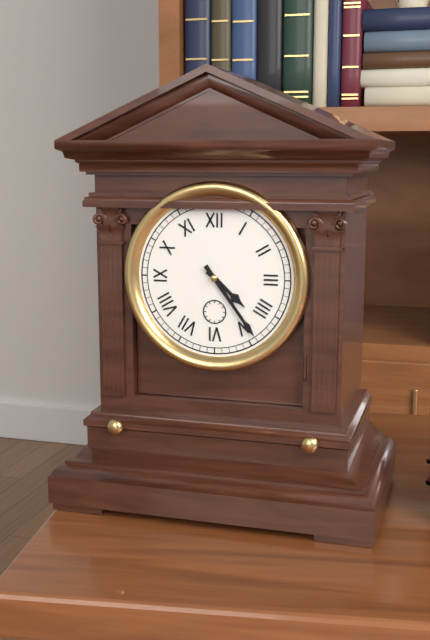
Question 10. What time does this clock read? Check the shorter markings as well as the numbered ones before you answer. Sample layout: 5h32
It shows 4h24
